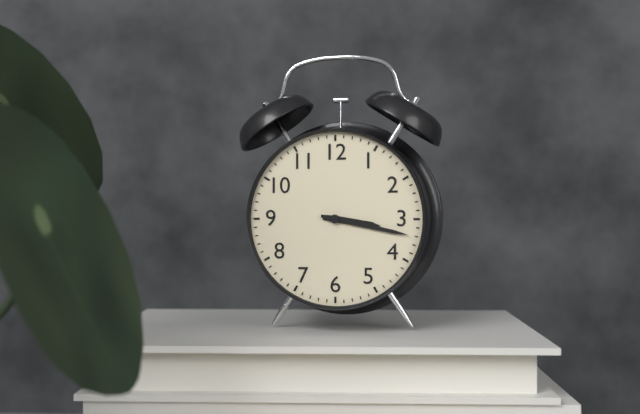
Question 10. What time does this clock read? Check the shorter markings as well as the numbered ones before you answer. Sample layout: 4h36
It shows 3h17
